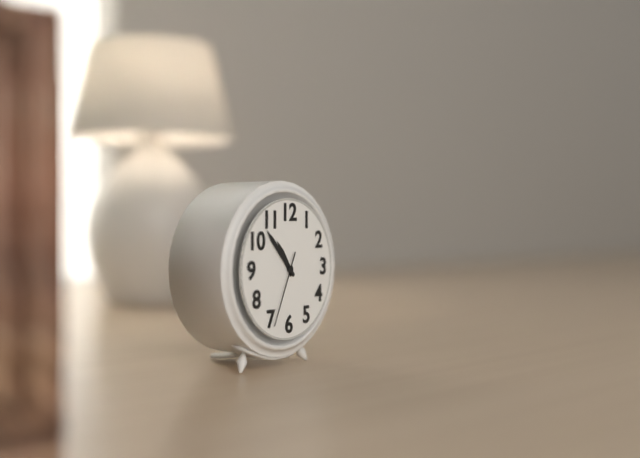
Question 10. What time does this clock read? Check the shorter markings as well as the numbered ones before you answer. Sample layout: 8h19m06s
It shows 10h53m34s
